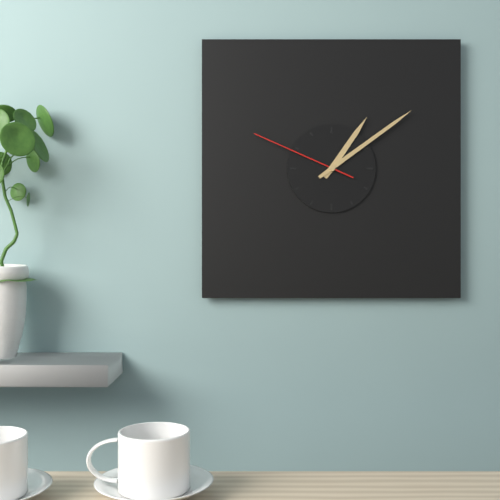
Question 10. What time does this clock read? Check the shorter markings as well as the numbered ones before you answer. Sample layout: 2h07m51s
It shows 1h09m49s
